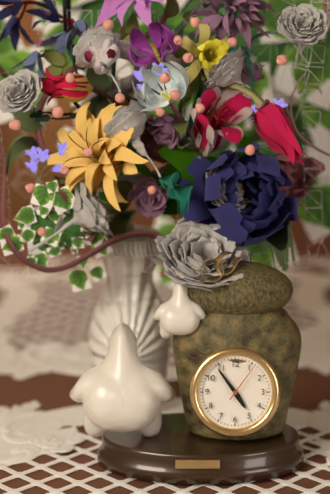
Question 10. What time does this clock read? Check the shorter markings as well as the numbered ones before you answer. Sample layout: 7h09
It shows 4h54
